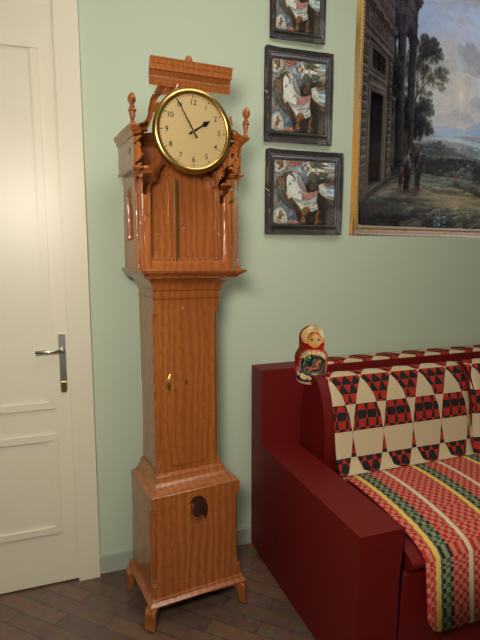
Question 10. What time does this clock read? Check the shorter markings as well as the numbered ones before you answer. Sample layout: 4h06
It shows 1h55
